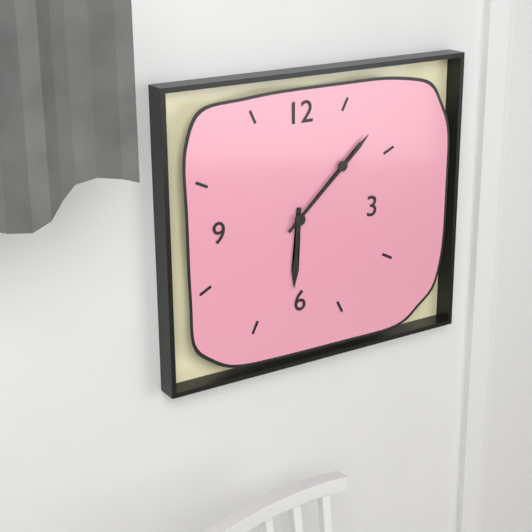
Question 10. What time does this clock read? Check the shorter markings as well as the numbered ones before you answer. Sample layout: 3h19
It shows 6h08
